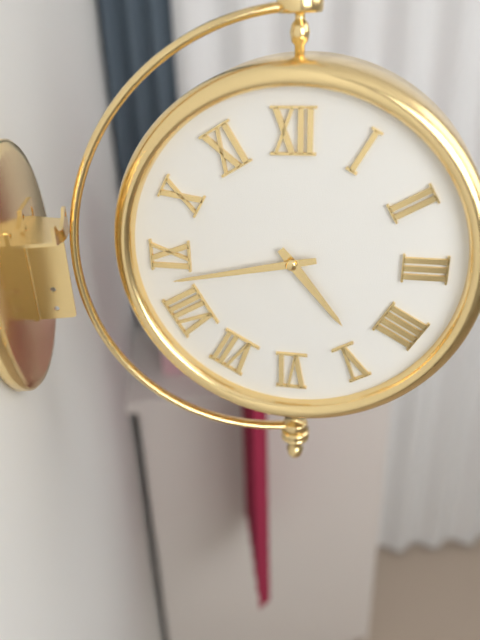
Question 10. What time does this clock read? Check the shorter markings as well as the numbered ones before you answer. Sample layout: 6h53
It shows 4h43
